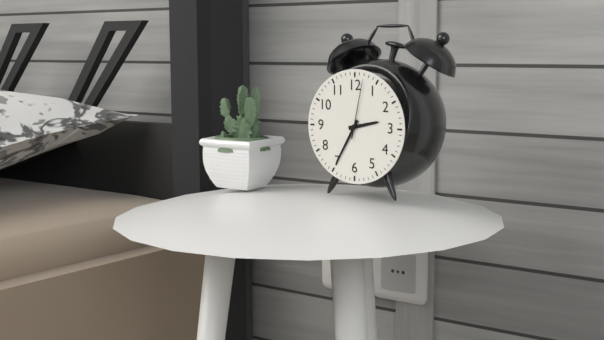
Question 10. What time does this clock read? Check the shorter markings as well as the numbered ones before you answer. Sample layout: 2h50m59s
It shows 2h35m02s
